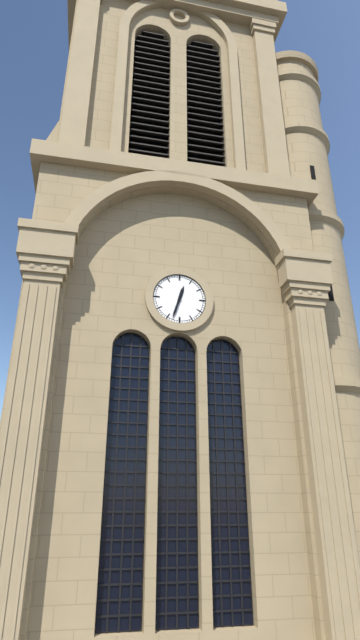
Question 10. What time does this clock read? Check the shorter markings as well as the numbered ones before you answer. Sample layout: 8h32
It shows 12h33
